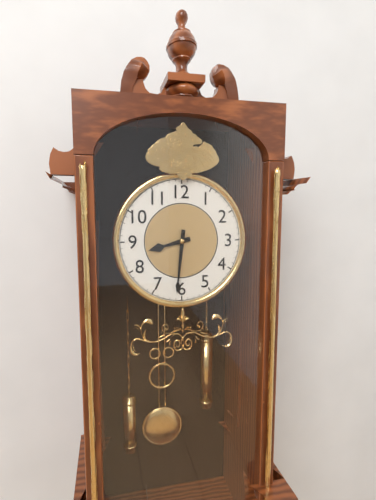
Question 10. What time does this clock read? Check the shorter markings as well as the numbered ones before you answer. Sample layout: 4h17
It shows 8h31
